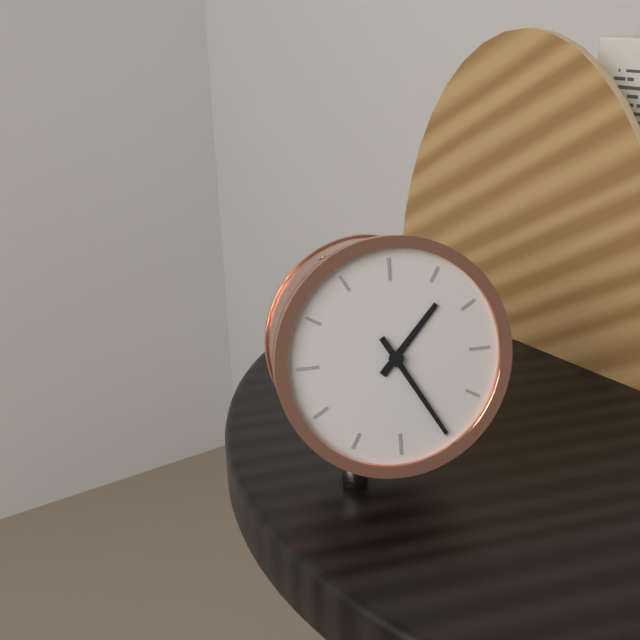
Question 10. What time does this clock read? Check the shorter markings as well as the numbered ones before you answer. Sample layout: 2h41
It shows 1h25
